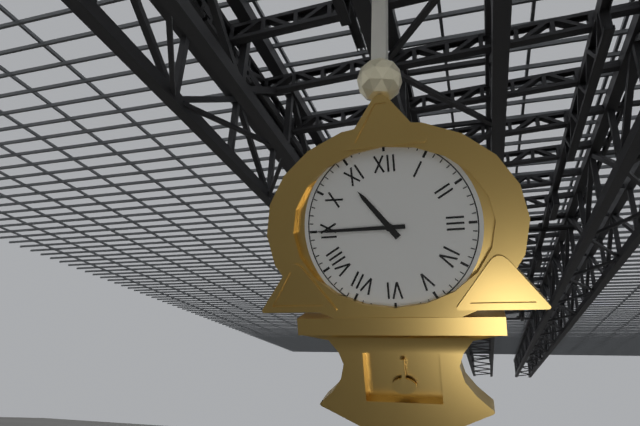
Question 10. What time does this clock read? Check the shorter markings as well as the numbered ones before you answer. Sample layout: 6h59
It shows 10h45
